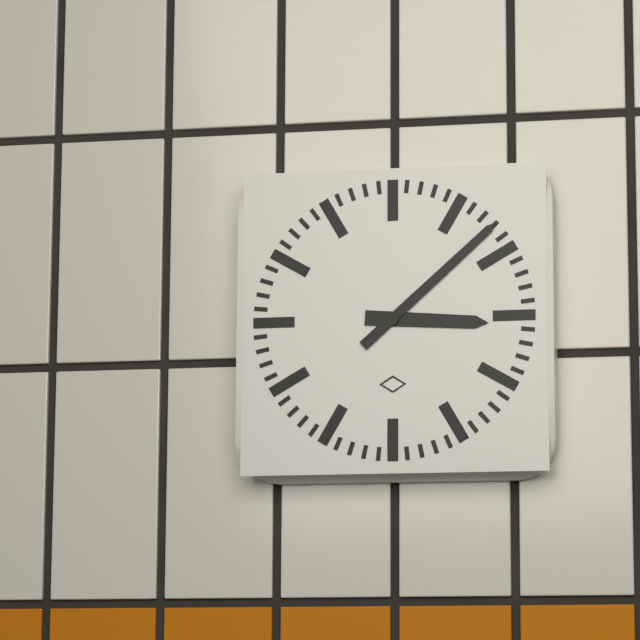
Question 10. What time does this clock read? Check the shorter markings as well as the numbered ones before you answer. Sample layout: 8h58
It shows 3h08
